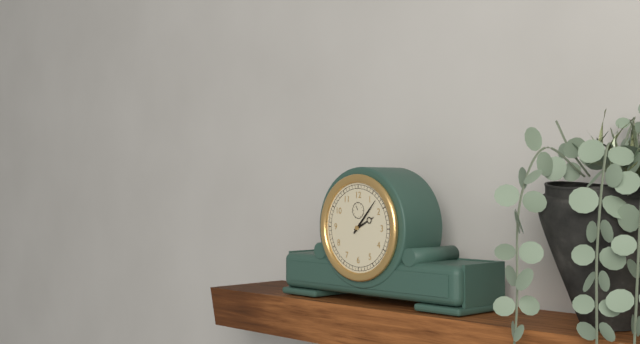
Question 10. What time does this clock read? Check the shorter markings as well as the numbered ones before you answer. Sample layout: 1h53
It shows 2h07
